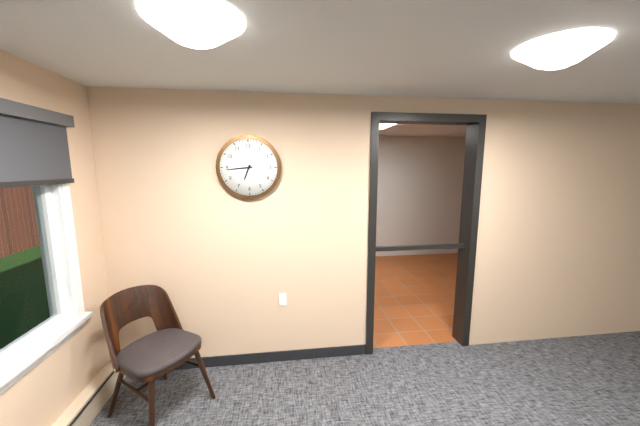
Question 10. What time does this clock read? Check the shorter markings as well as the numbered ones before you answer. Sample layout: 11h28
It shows 6h44
